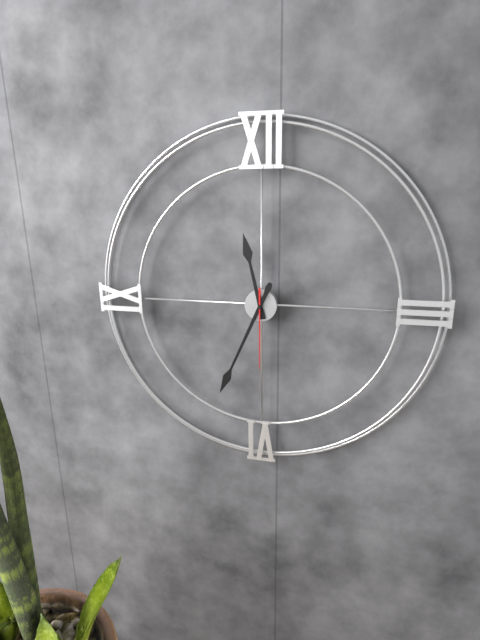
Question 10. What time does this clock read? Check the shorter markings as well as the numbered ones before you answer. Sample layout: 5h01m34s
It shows 11h34m30s
